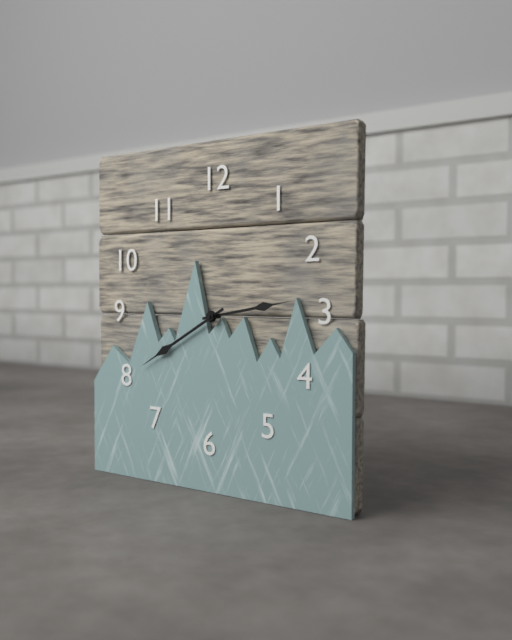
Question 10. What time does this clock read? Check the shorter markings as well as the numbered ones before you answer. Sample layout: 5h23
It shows 2h40
